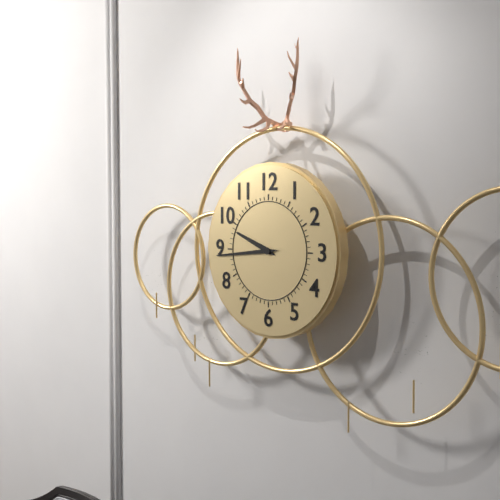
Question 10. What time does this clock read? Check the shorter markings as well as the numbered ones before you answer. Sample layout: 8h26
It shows 9h44
